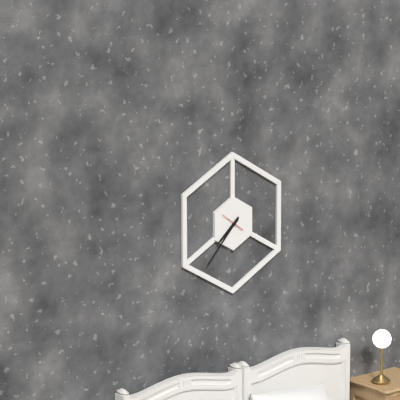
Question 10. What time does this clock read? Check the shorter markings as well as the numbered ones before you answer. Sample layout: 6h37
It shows 7h37
